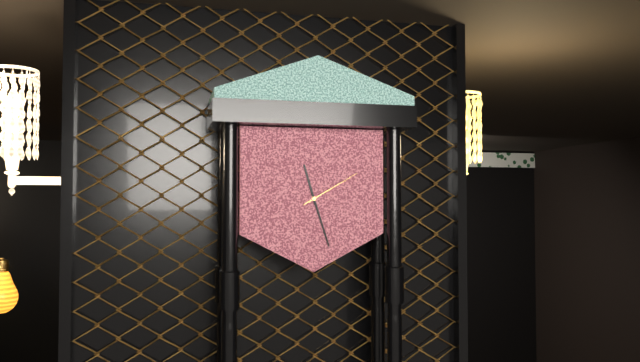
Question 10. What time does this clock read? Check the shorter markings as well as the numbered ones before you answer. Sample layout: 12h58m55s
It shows 11h27m10s
